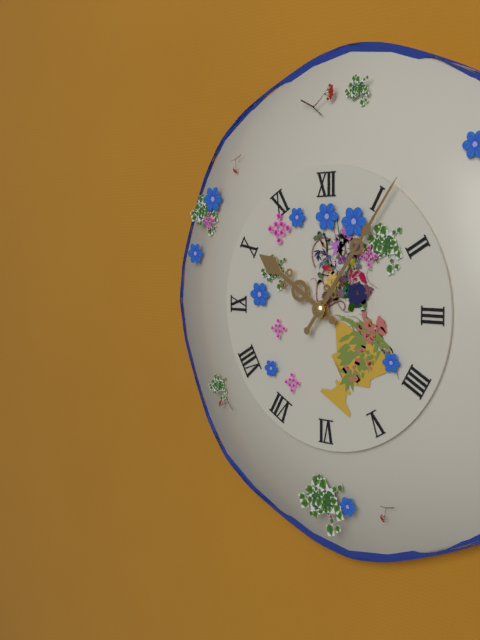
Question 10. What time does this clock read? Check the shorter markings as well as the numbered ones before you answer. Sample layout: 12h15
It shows 10h06
